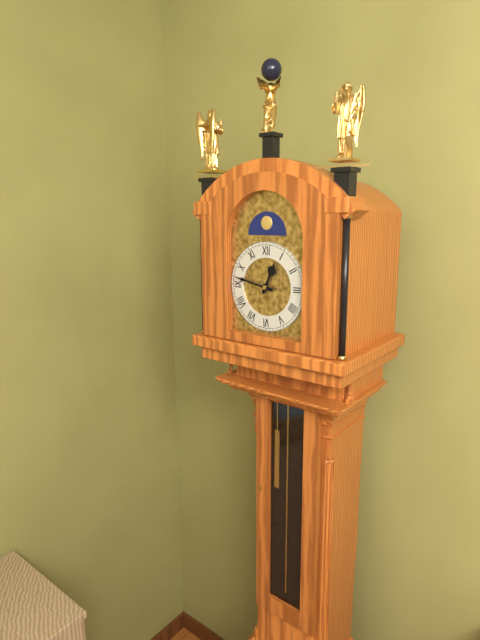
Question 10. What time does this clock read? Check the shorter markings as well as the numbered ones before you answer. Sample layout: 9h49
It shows 12h47
